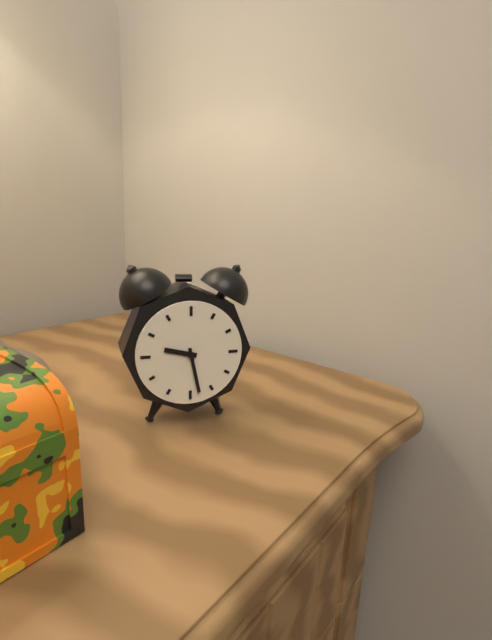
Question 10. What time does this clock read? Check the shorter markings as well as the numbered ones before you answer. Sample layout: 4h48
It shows 9h28
